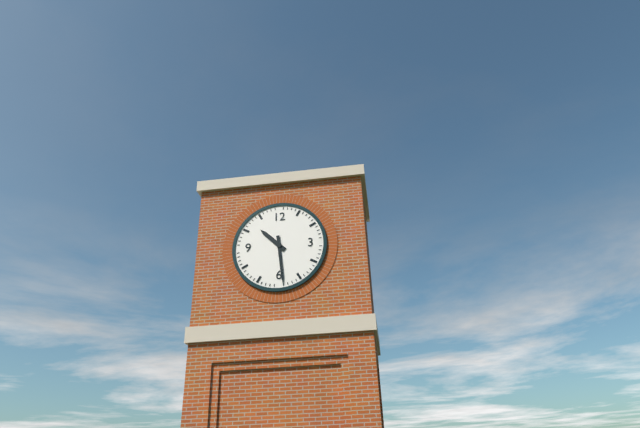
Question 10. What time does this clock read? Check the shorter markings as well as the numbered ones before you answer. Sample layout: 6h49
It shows 10h29
